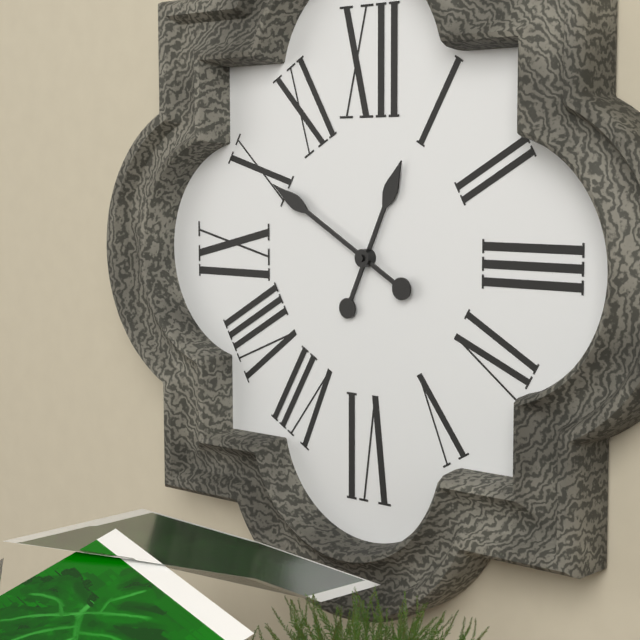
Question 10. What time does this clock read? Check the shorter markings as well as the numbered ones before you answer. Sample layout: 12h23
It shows 12h50
